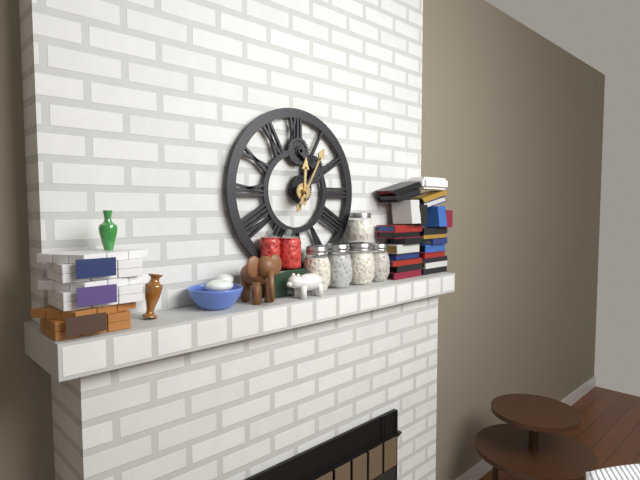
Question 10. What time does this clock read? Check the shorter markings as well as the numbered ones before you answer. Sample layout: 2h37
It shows 12h05
